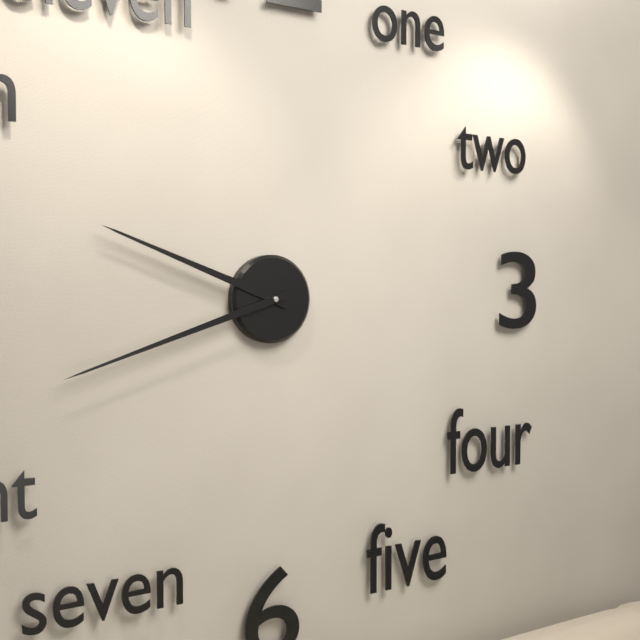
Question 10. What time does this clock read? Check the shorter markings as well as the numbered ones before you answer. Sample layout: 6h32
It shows 9h42
